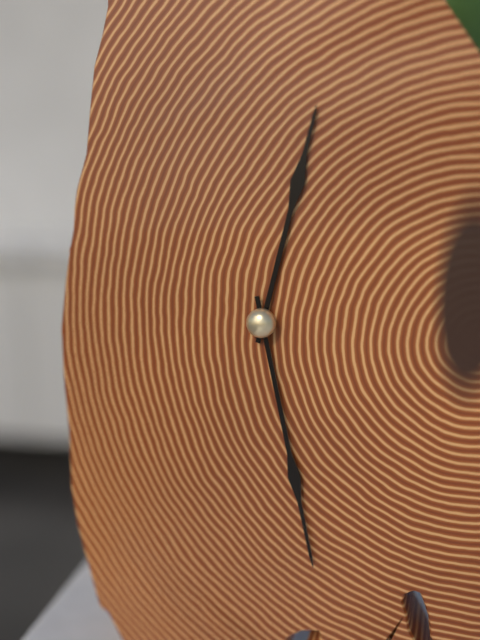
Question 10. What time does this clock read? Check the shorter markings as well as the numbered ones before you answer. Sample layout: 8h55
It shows 12h28
